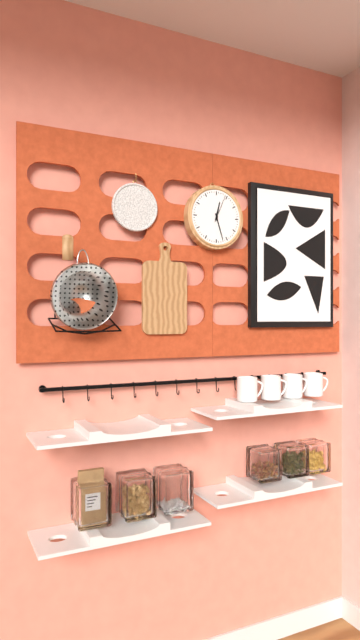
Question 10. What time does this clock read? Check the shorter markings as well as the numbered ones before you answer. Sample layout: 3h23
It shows 12h27
